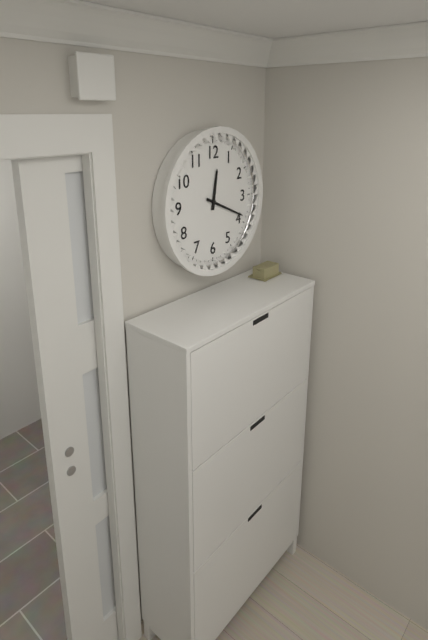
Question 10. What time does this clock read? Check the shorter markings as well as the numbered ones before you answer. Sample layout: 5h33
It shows 12h19
